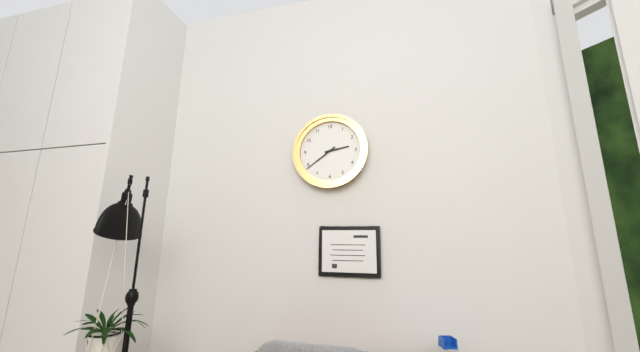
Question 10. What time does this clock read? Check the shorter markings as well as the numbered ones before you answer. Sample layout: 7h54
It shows 2h39
